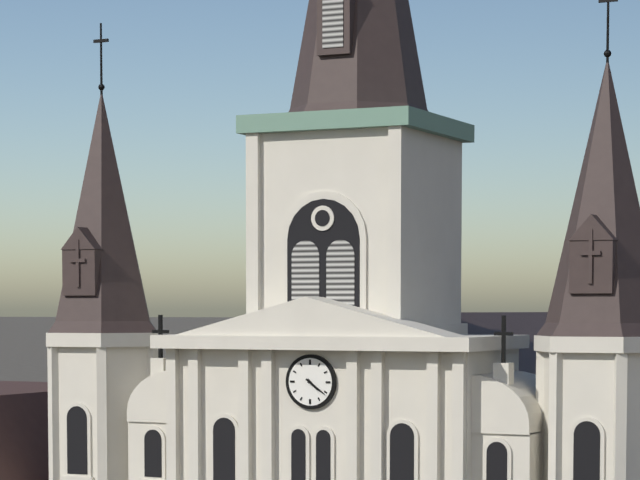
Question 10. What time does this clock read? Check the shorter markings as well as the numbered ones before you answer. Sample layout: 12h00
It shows 4h21
